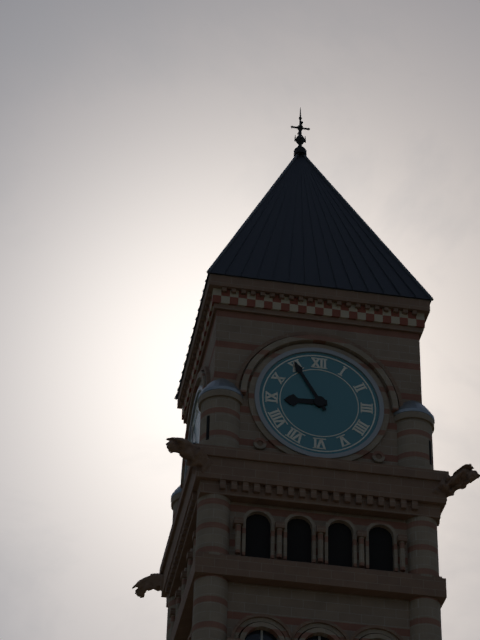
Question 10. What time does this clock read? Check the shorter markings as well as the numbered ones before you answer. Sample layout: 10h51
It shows 8h55
